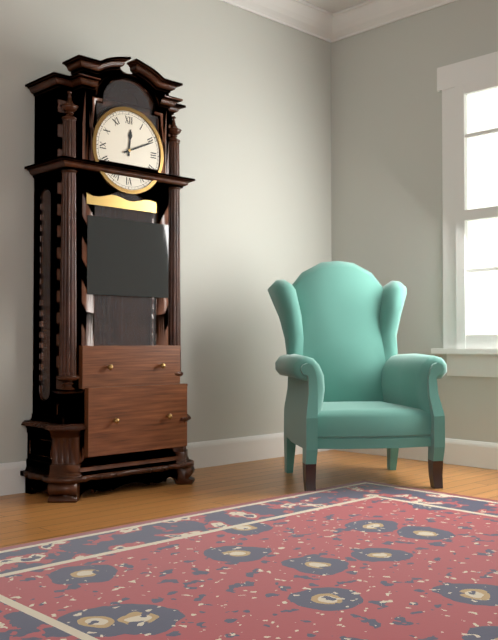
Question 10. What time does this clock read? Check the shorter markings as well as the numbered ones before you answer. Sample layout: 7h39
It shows 12h11
